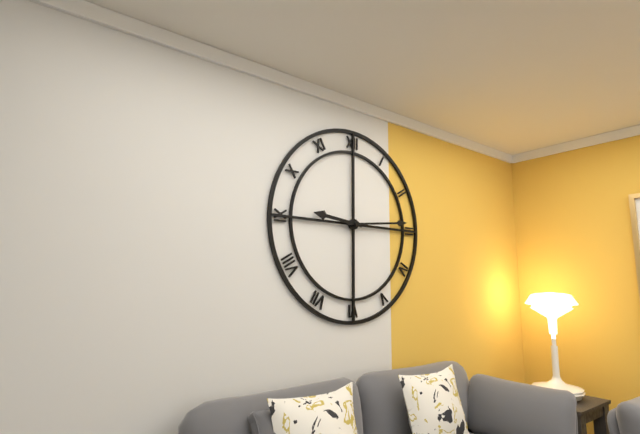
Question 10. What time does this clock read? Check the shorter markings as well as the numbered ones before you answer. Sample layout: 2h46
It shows 9h14
